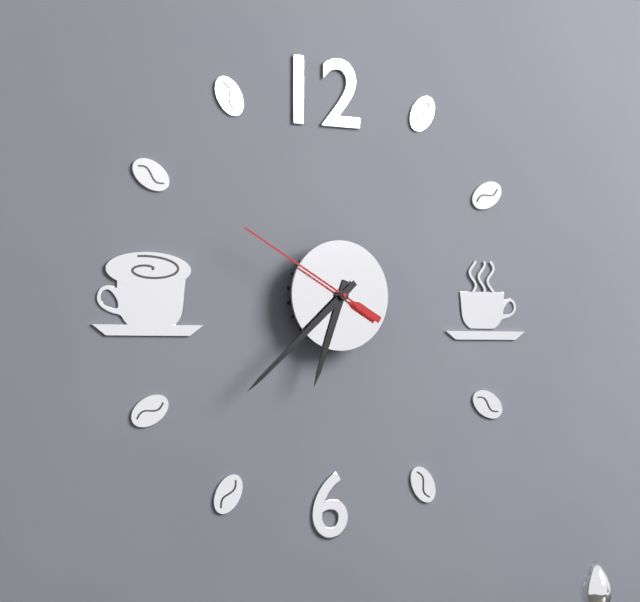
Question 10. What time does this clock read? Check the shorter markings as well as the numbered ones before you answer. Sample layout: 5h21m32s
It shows 6h38m50s
